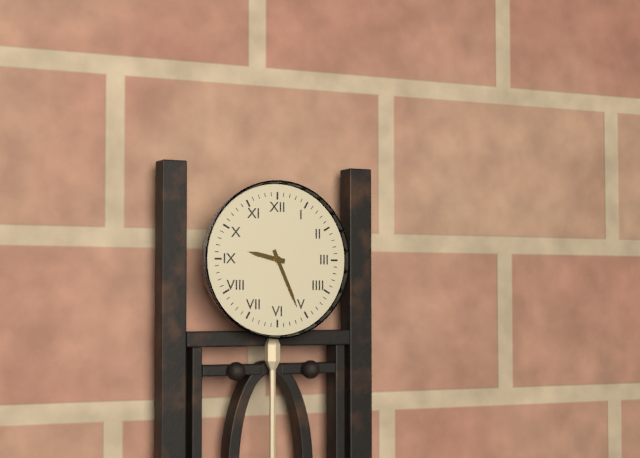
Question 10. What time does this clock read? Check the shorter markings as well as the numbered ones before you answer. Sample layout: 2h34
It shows 9h26
